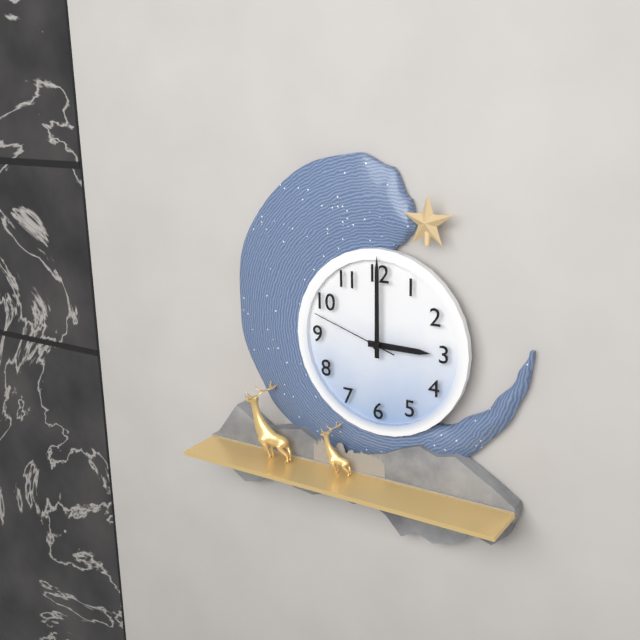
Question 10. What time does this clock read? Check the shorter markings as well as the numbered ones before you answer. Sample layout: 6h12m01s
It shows 3h00m48s
